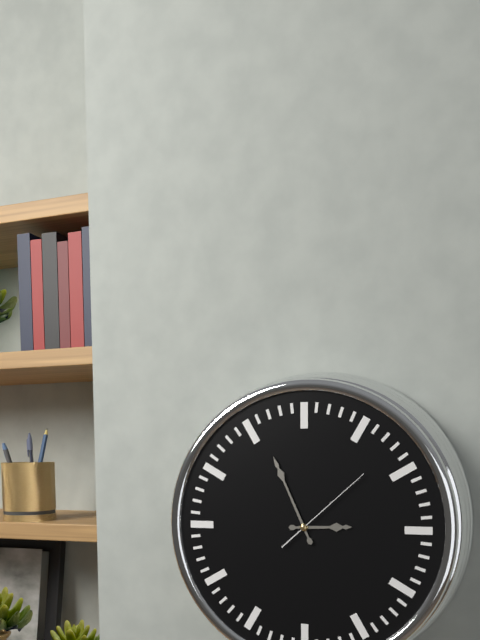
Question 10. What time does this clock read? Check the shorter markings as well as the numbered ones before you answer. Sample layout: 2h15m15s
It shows 2h56m08s
